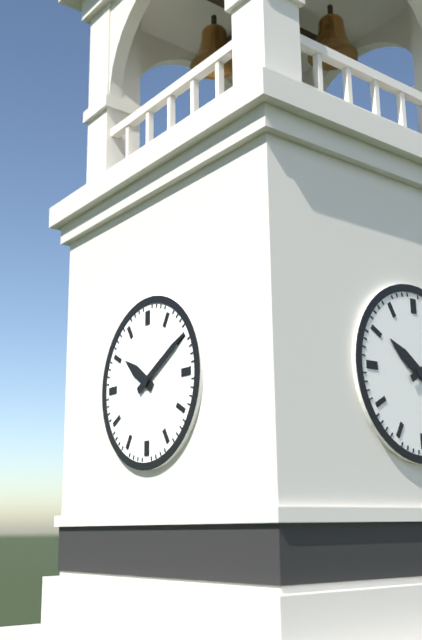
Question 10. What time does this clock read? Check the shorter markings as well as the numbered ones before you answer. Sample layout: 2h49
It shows 10h10
